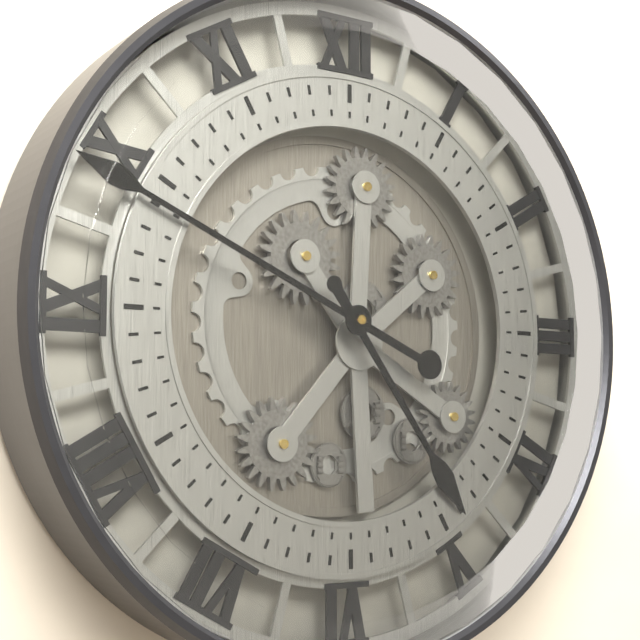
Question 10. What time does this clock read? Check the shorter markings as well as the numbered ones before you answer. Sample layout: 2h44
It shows 4h49
